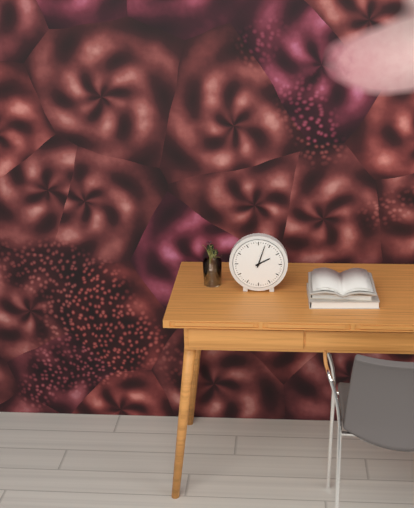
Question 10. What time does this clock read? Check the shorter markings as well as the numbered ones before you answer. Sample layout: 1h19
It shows 2h03
